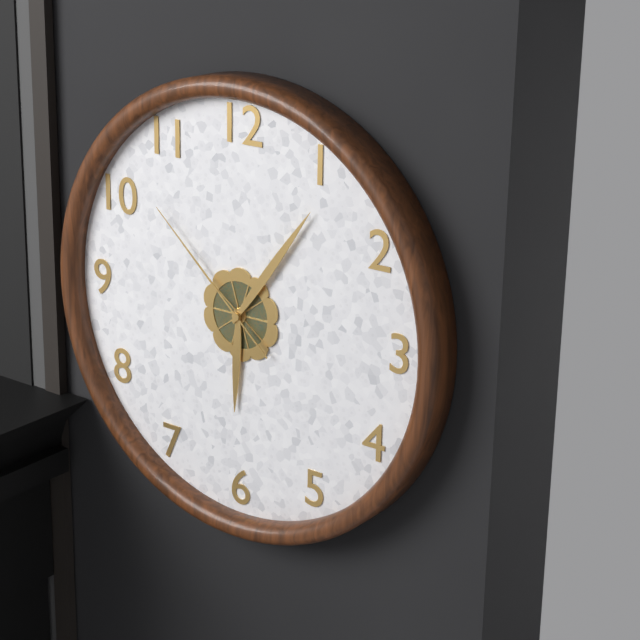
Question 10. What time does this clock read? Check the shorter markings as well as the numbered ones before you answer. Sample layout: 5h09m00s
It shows 6h06m52s
